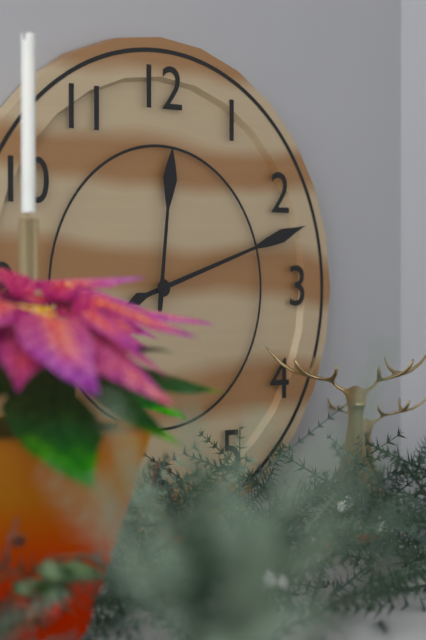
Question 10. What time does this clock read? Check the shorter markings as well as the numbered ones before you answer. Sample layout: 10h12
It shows 12h12
